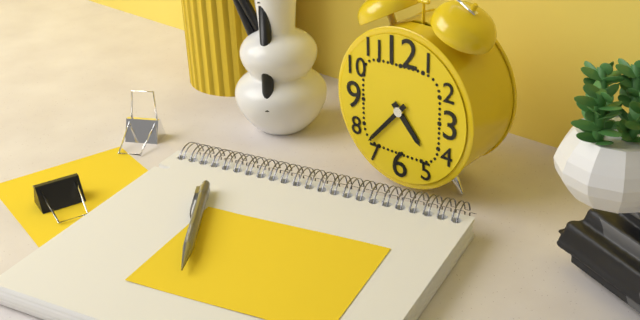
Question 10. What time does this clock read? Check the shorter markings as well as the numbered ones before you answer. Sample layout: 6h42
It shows 4h37
